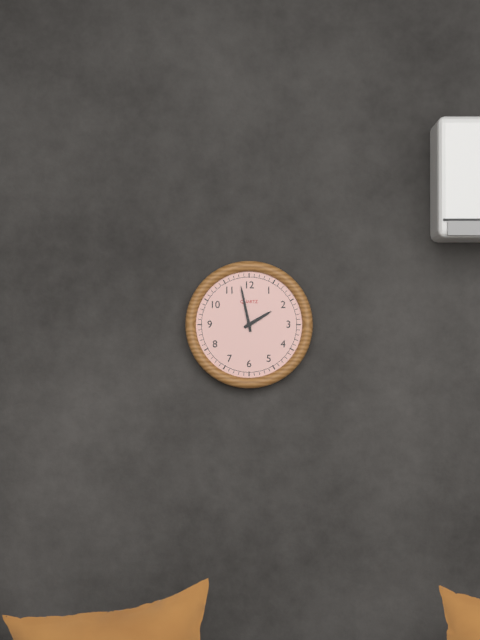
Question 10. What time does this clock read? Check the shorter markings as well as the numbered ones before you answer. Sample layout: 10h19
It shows 1h58
